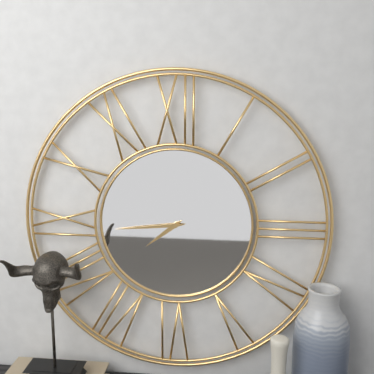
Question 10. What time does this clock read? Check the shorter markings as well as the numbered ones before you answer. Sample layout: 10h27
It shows 7h44
